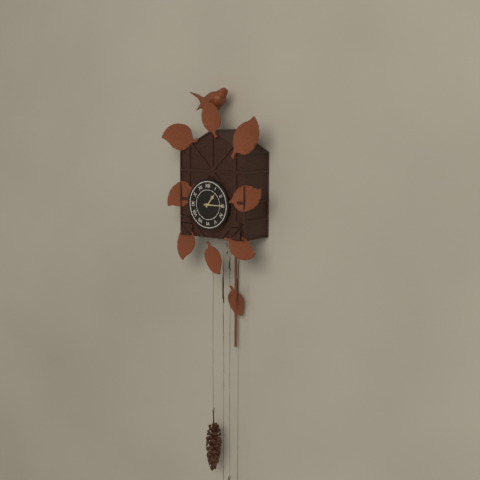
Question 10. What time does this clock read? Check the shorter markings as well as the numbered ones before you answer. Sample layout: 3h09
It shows 1h15
